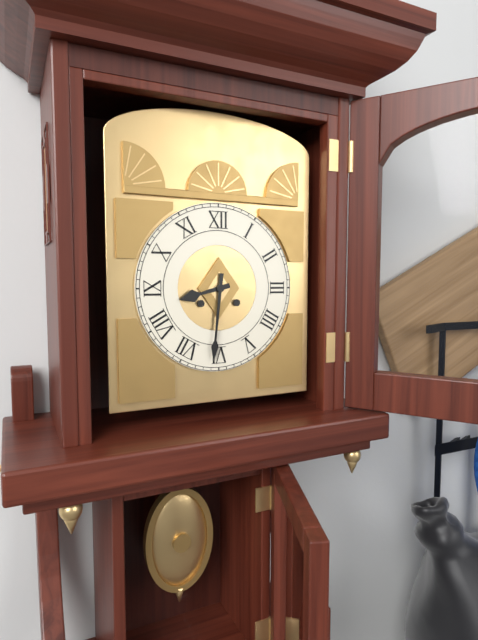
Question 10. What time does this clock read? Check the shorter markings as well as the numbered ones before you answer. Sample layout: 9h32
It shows 8h31
